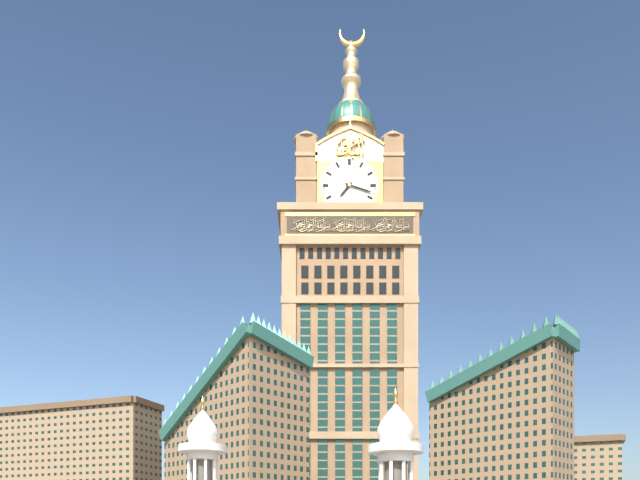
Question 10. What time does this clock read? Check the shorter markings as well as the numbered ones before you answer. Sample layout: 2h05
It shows 7h18
